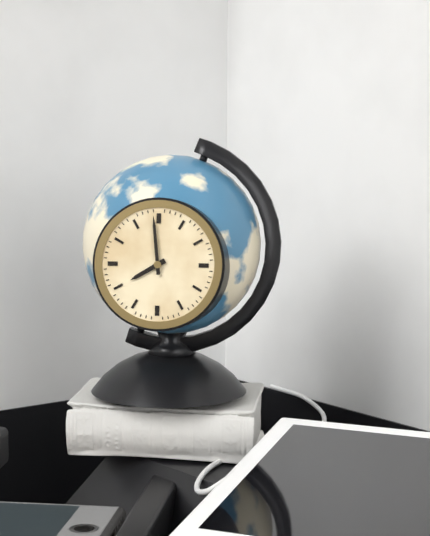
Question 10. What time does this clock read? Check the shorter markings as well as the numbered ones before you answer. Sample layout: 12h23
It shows 7h59
